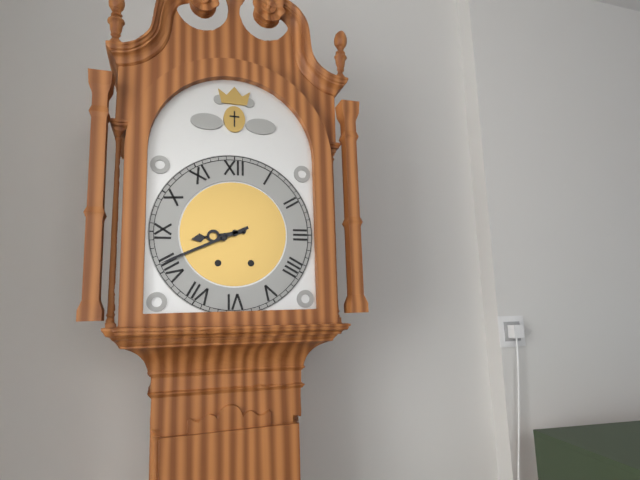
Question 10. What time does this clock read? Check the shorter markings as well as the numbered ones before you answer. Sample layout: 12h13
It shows 8h41
